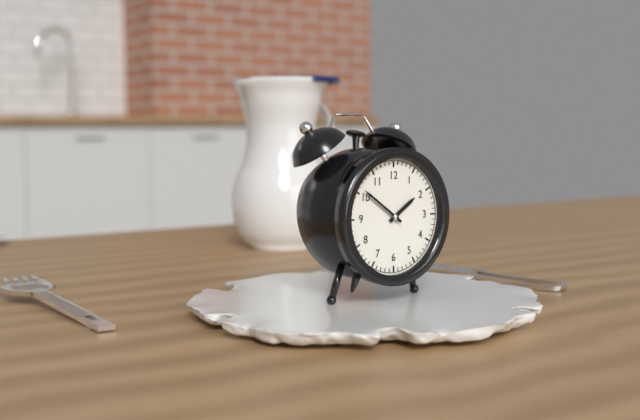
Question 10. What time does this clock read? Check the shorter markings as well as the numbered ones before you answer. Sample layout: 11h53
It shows 1h51
